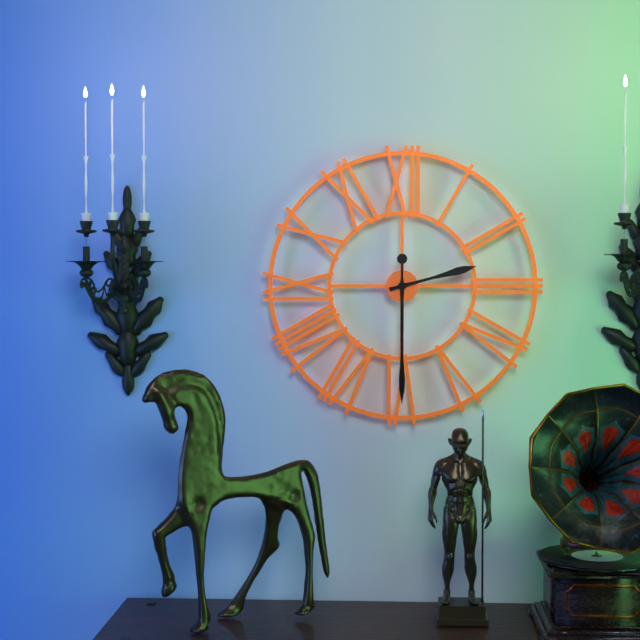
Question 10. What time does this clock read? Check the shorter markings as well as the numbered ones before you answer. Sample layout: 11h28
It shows 2h30
